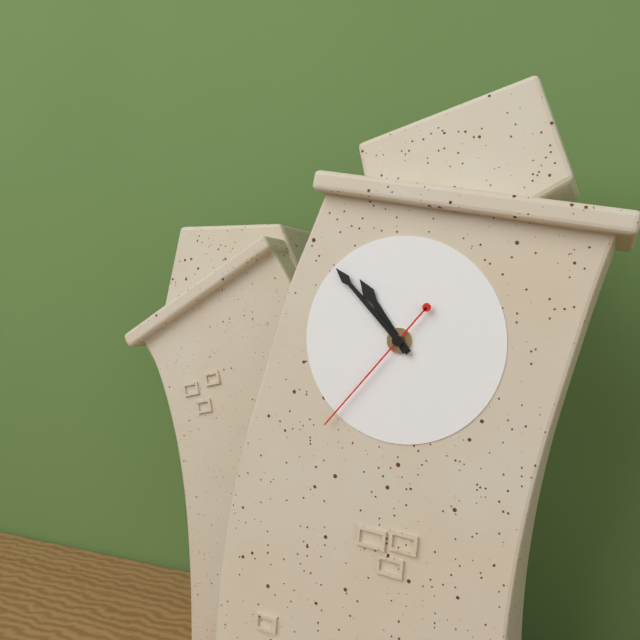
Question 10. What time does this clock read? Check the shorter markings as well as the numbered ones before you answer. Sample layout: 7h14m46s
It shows 10h53m37s
